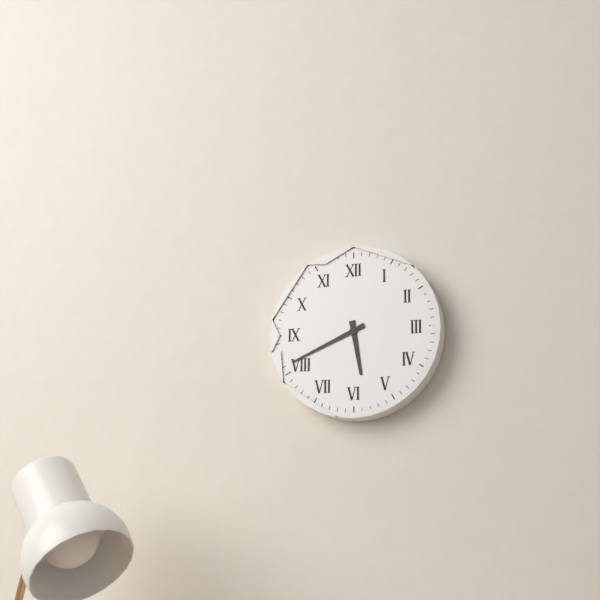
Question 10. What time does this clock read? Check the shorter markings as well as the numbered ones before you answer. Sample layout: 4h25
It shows 5h41
